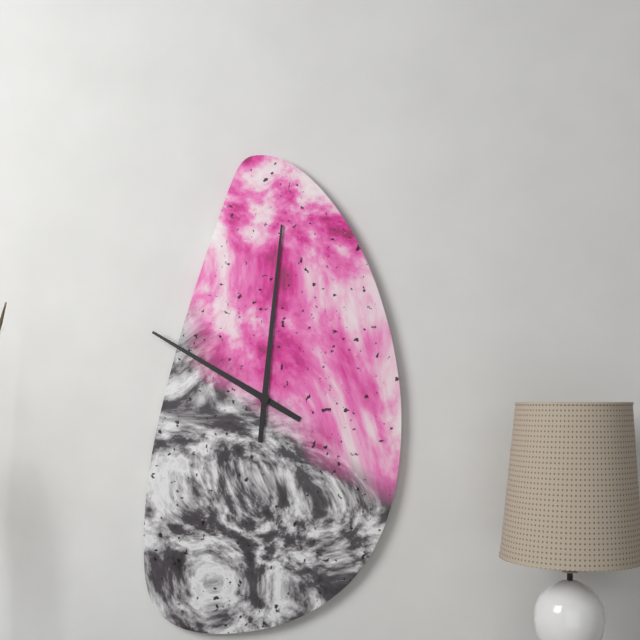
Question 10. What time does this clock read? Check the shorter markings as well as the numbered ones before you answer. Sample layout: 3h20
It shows 10h01
